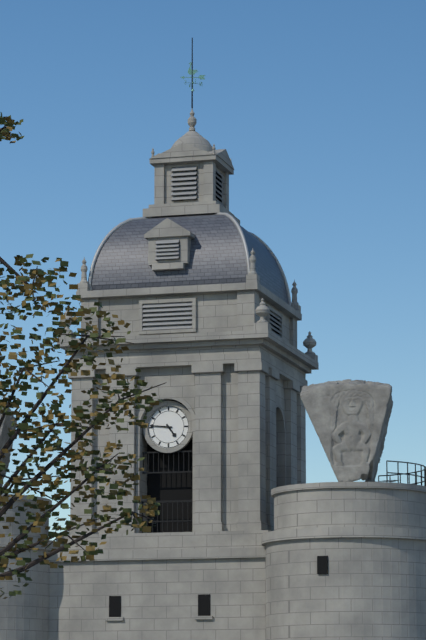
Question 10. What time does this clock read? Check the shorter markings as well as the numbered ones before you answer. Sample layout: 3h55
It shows 4h46
